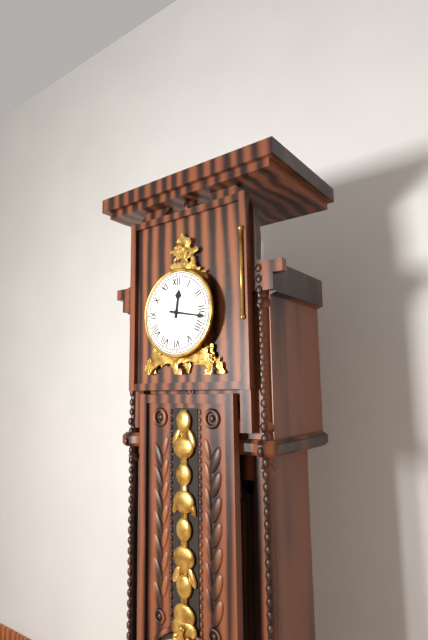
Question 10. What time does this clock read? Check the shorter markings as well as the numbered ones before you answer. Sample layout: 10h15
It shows 12h17
